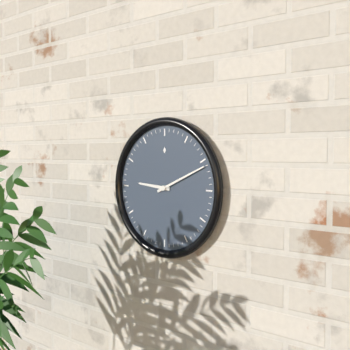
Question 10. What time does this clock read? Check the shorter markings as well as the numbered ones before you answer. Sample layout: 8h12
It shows 9h11
